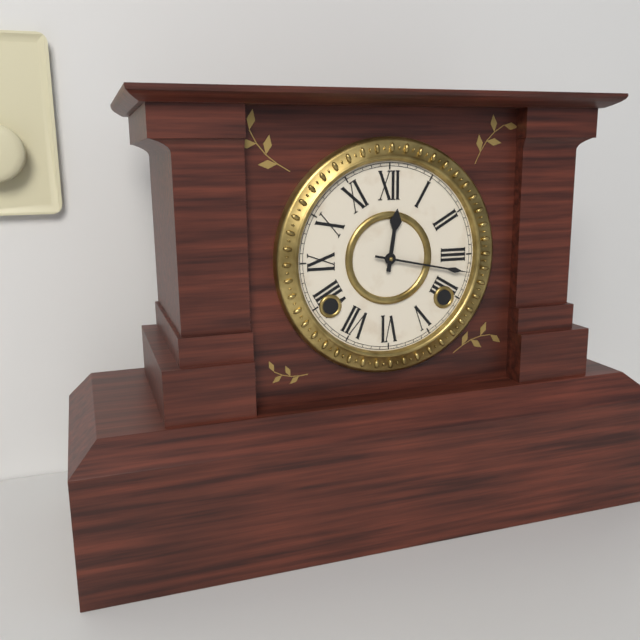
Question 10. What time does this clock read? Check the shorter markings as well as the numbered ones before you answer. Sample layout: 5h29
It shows 12h17
